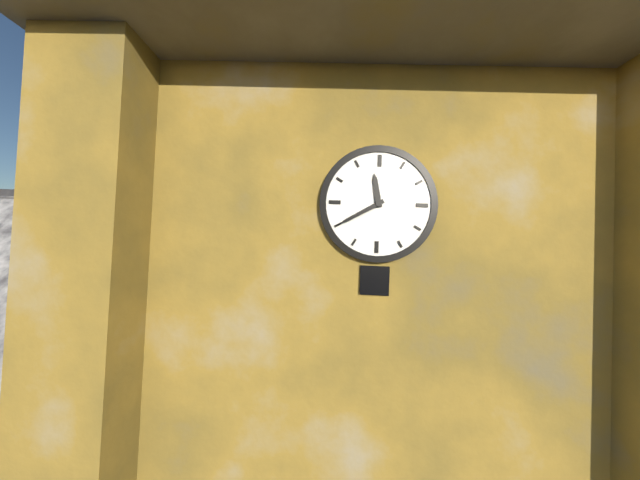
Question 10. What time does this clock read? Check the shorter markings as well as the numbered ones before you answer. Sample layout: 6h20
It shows 11h40
